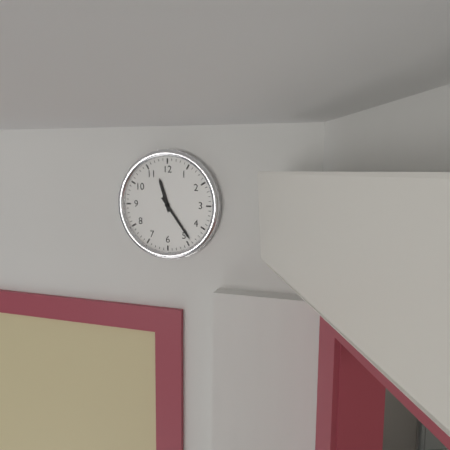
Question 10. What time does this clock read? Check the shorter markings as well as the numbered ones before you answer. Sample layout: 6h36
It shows 11h24
